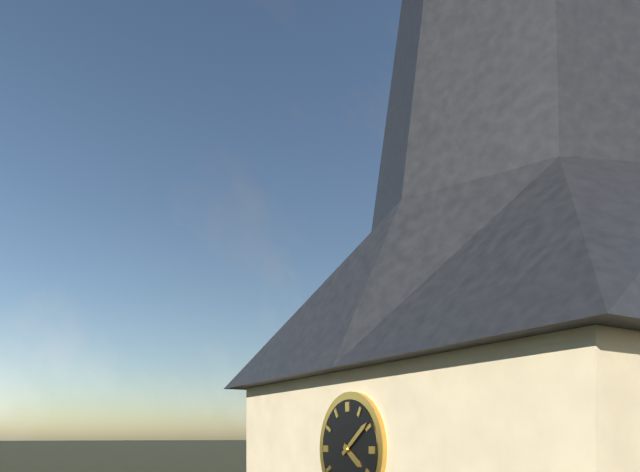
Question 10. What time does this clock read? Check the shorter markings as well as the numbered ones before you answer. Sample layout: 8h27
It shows 4h09
